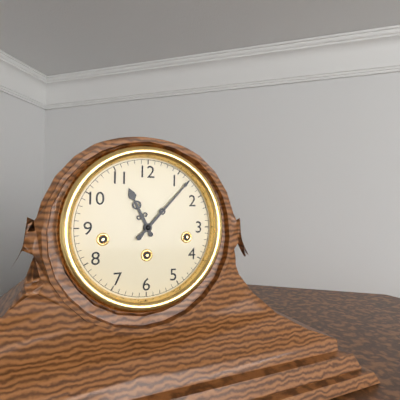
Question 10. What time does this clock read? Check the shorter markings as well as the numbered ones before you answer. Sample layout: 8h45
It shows 11h07
